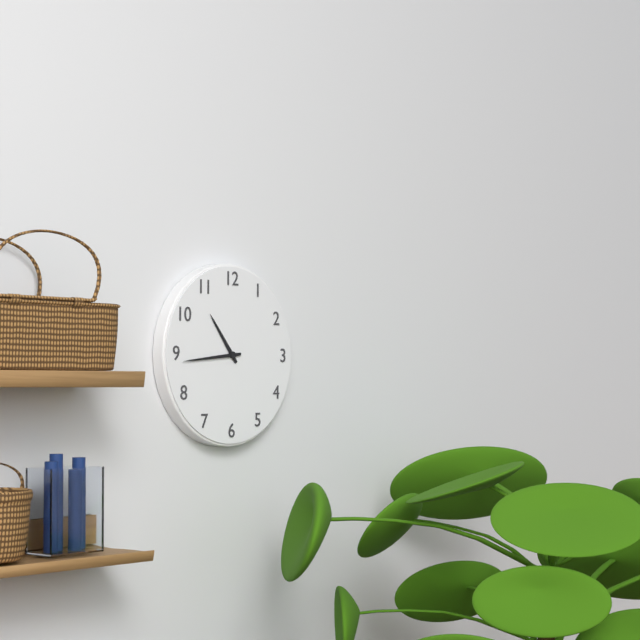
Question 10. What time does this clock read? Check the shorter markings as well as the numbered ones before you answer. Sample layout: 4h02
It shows 10h44
